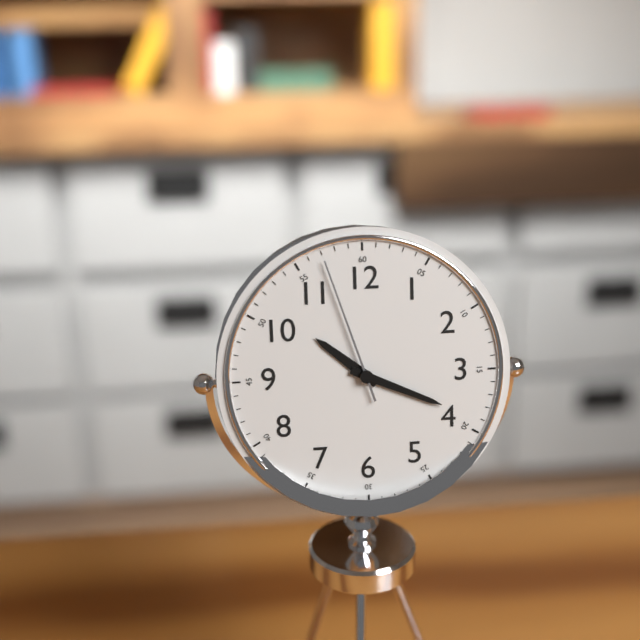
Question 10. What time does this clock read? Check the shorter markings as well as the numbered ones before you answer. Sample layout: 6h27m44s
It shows 10h19m57s
